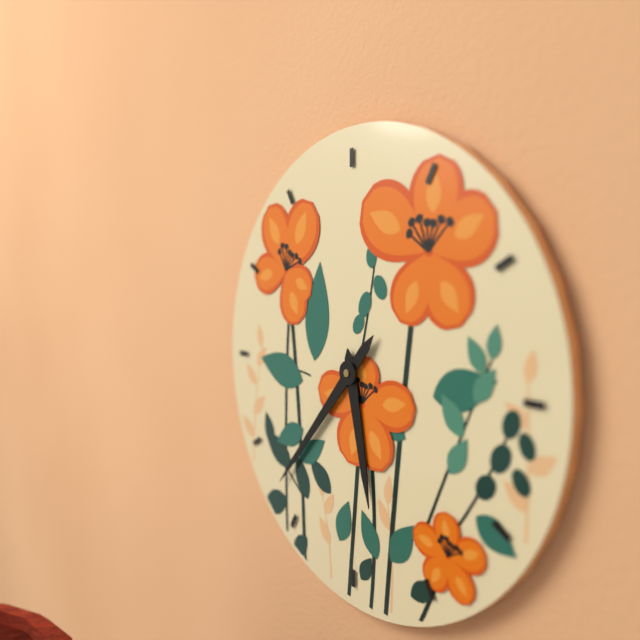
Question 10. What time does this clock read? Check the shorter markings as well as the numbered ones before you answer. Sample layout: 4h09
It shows 5h37
